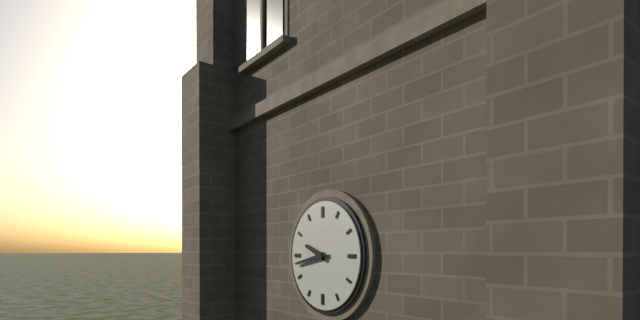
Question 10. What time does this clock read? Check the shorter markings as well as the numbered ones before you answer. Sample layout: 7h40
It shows 9h43
